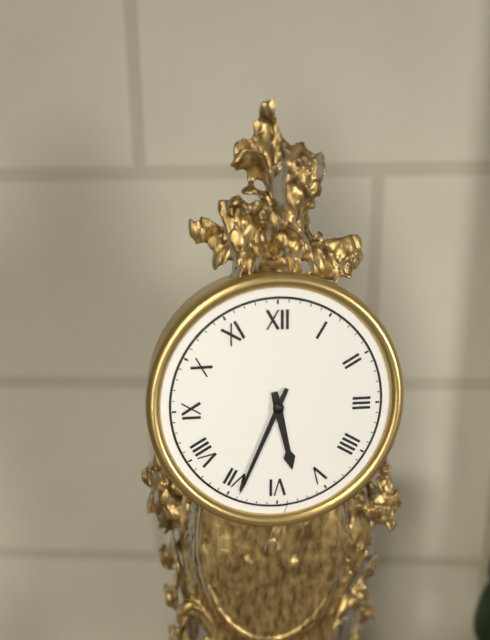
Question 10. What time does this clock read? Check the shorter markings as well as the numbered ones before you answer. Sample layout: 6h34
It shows 5h34
